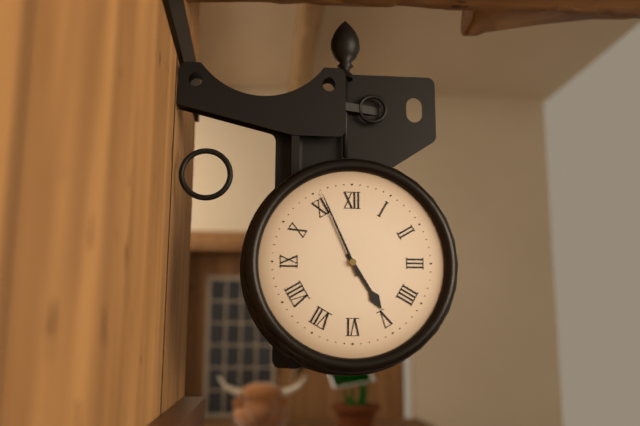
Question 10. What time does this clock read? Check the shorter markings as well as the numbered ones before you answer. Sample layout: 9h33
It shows 4h56
